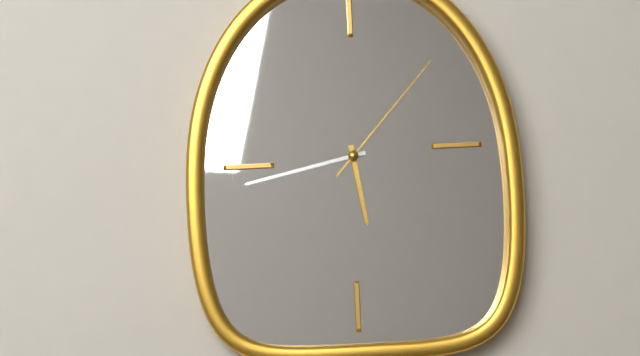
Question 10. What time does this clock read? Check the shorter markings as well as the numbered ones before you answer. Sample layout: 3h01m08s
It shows 5h43m07s
